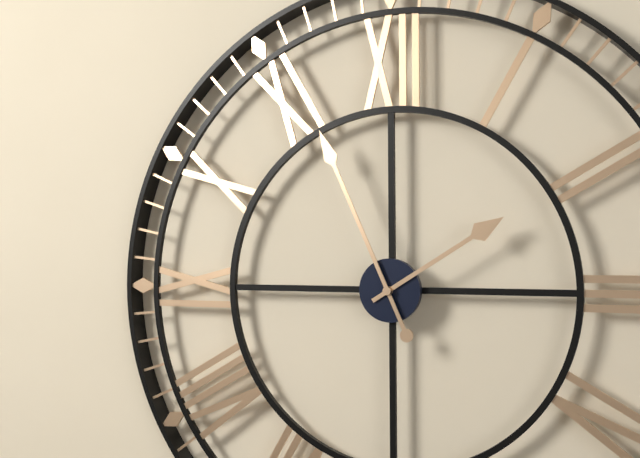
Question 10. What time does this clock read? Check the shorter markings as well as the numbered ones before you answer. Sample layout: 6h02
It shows 1h56
